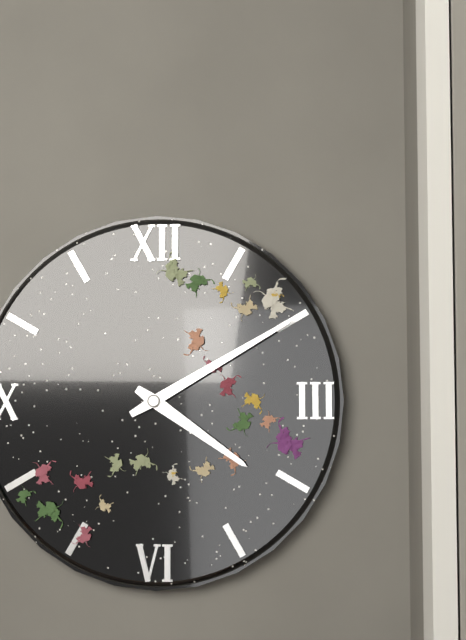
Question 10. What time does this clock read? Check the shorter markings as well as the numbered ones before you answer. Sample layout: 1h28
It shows 4h10
